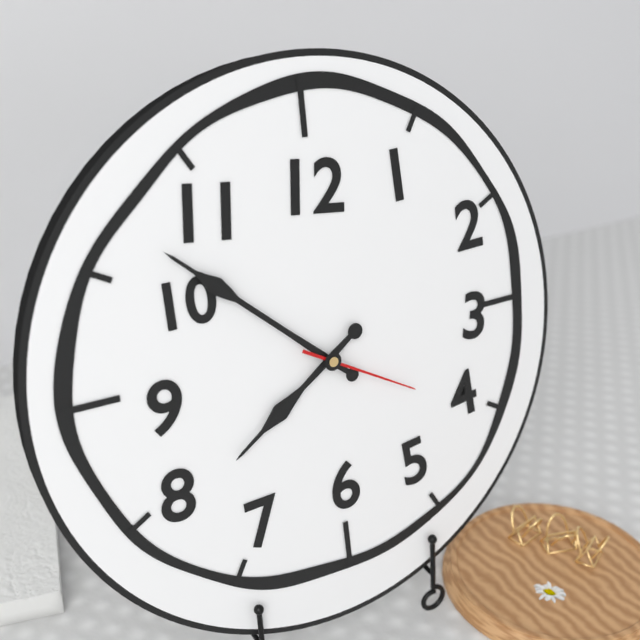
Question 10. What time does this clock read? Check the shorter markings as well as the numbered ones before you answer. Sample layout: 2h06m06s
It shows 7h52m20s
